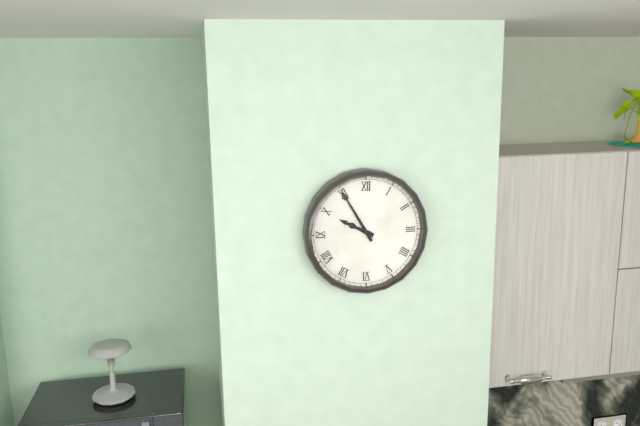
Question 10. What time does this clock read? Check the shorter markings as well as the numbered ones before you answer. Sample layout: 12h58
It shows 9h55
